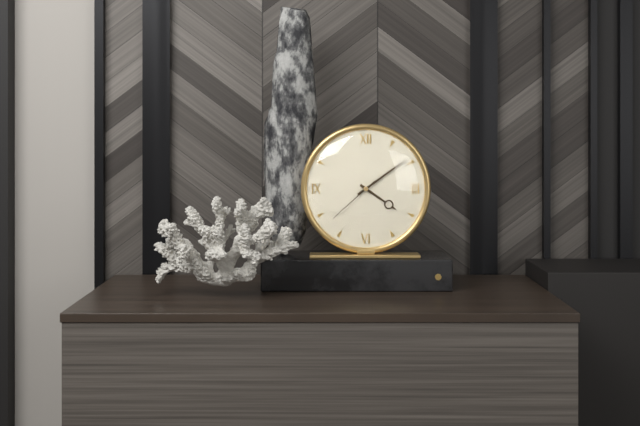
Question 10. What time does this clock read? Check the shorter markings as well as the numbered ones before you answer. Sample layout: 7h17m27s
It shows 4h09m38s
